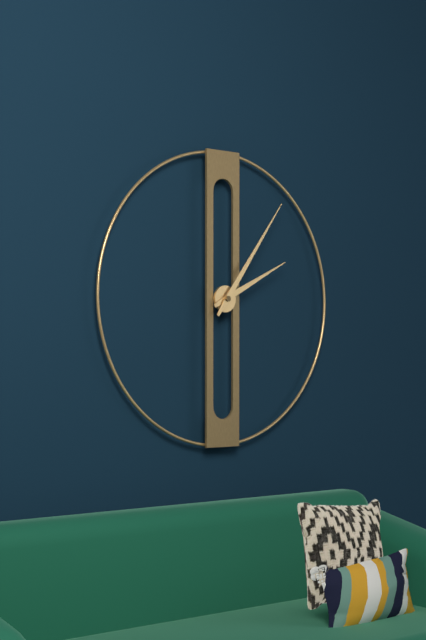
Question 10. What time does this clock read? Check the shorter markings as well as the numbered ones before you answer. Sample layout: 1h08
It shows 2h06
